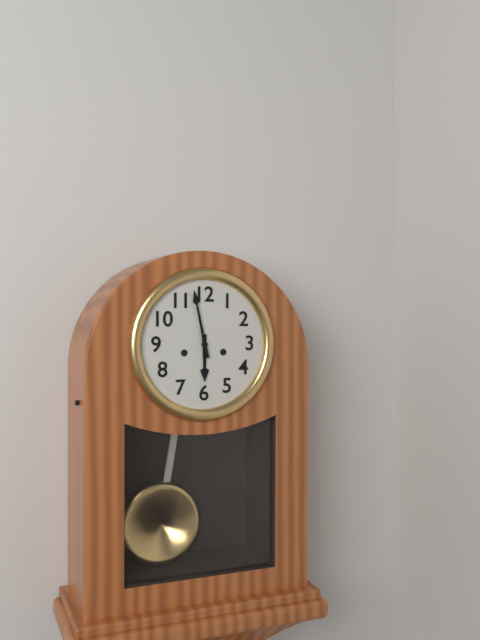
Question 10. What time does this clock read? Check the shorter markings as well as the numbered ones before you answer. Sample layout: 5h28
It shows 5h58
